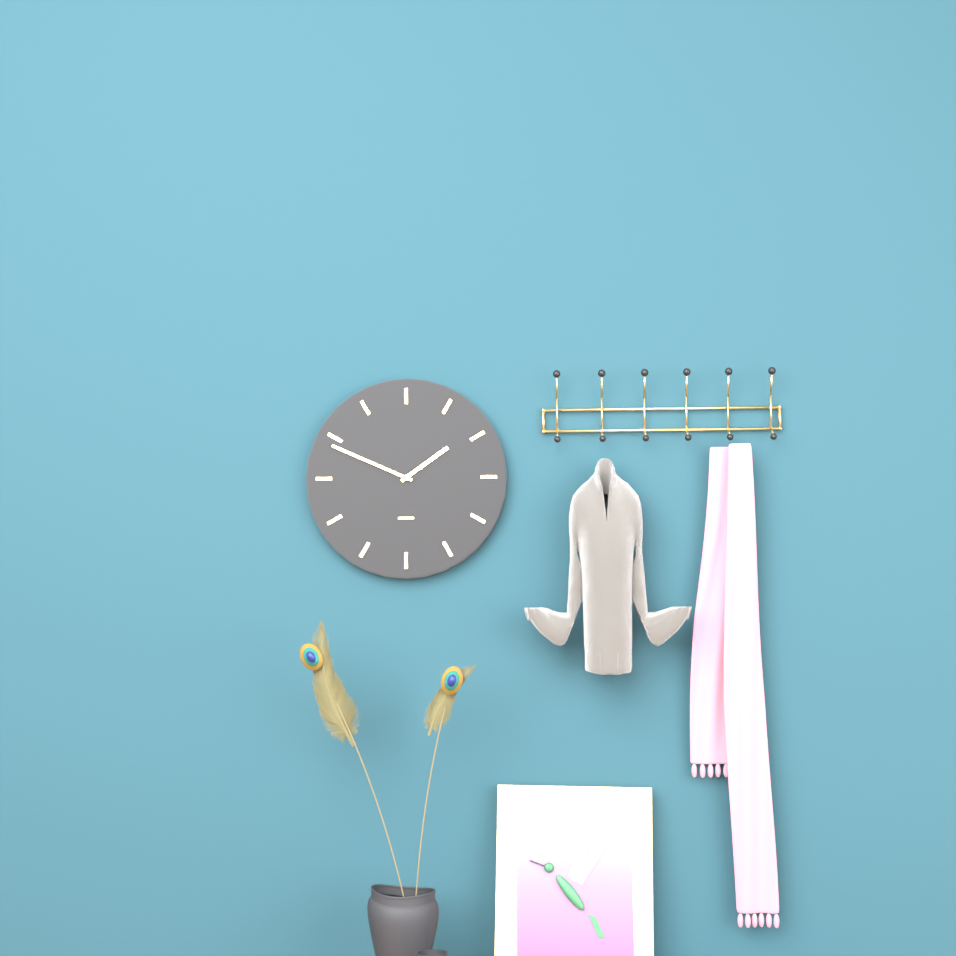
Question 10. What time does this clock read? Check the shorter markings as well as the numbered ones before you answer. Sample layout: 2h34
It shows 1h49
